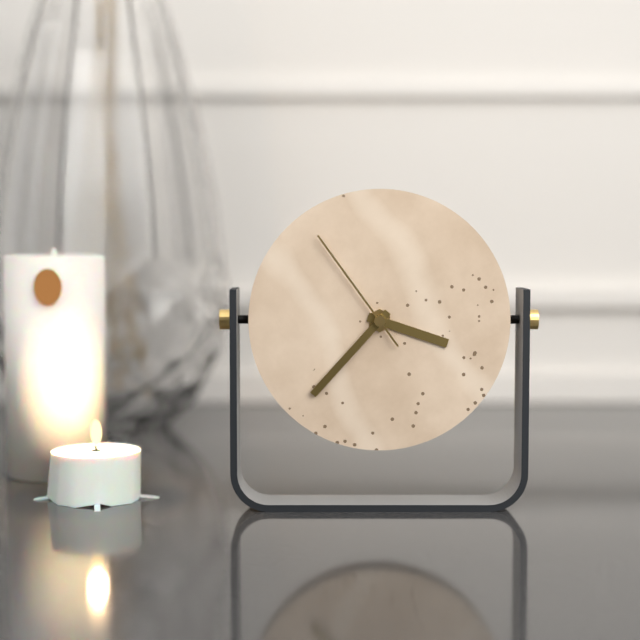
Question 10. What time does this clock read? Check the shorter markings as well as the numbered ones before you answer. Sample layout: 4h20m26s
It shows 3h37m54s
